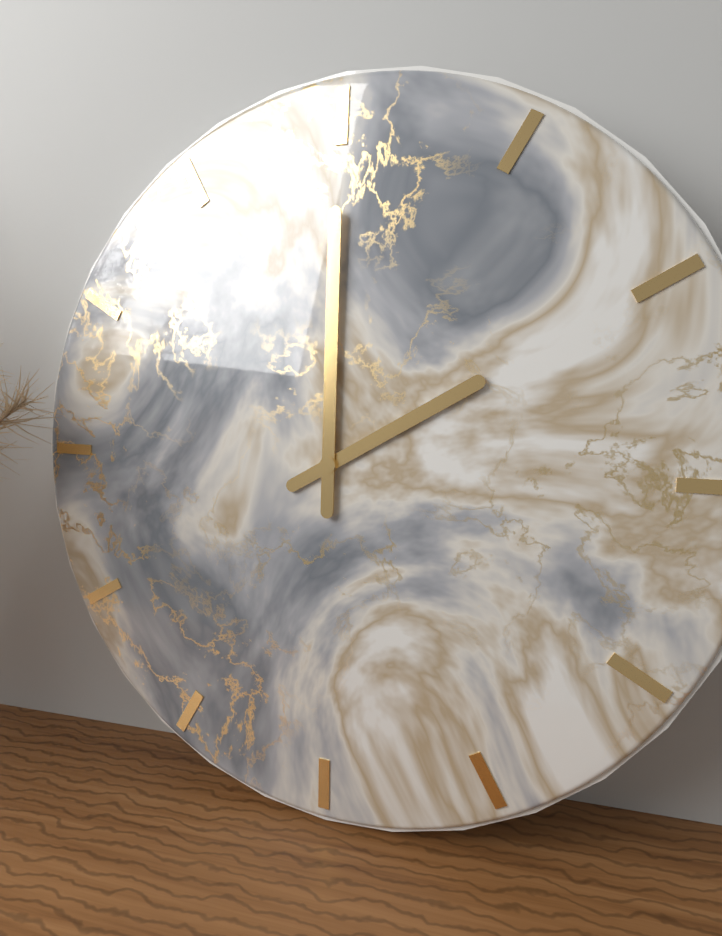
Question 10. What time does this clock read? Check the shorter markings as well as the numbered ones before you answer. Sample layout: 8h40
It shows 2h00
